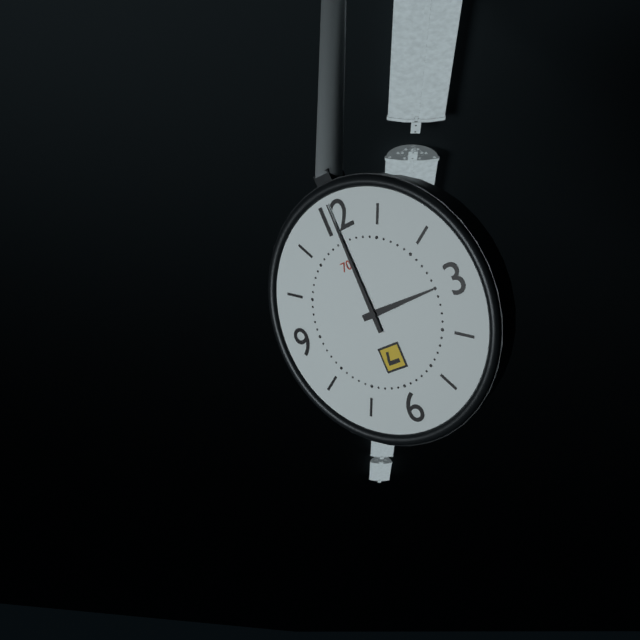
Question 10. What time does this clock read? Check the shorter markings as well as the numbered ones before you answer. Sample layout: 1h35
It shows 3h00
